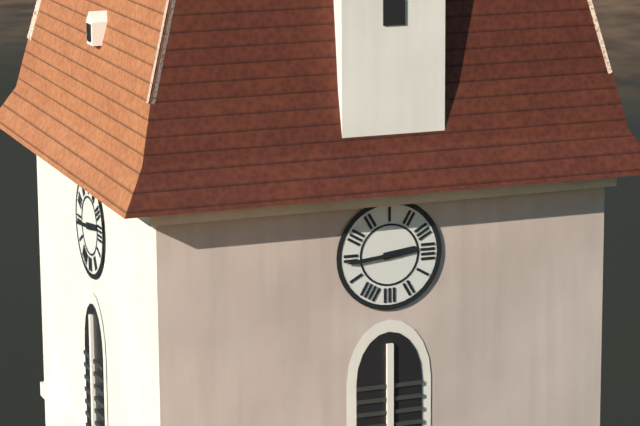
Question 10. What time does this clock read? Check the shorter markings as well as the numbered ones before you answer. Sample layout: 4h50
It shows 2h44
